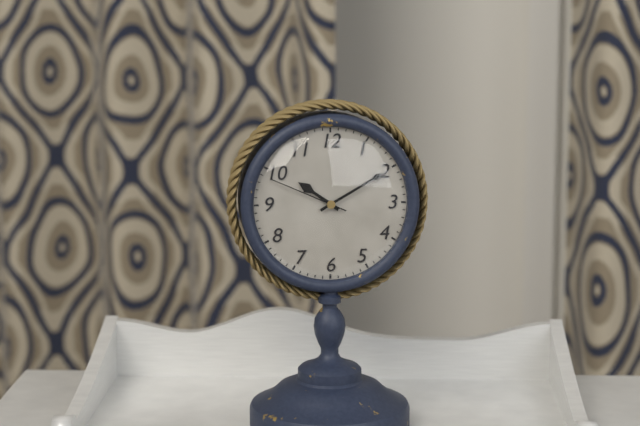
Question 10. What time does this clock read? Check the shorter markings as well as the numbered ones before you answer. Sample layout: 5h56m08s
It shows 10h10m49s
